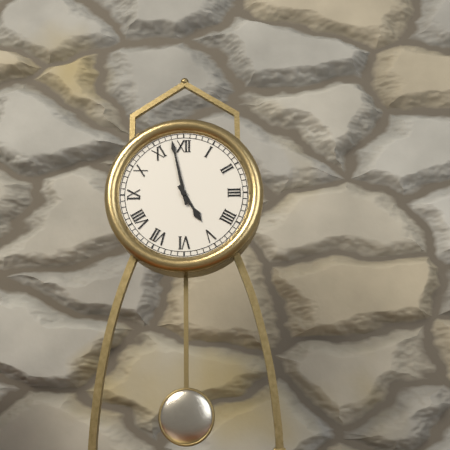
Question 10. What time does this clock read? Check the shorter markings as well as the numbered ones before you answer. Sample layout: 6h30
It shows 4h58
